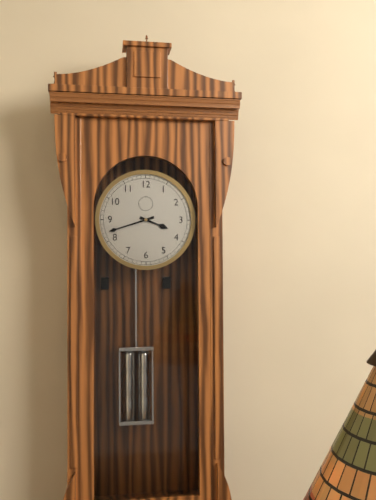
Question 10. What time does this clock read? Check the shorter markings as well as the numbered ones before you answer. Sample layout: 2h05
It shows 3h42
